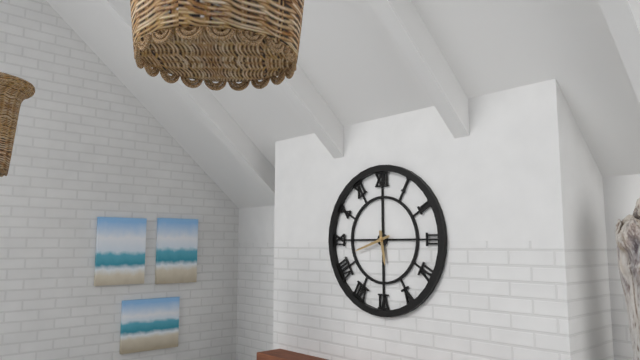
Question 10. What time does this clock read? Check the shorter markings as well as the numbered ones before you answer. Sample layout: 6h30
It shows 5h42
